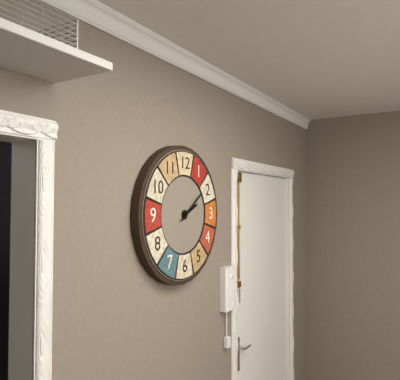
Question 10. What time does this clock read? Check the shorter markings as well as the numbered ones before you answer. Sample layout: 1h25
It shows 2h09
